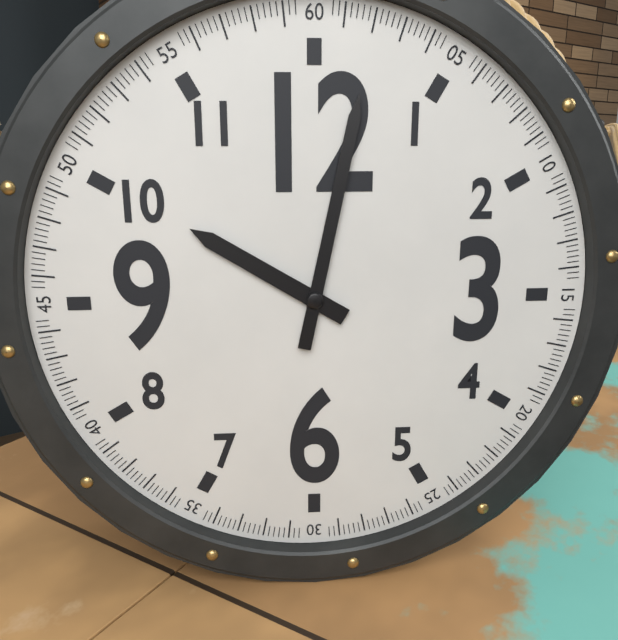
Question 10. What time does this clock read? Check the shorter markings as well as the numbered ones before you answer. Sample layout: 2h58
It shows 10h02
